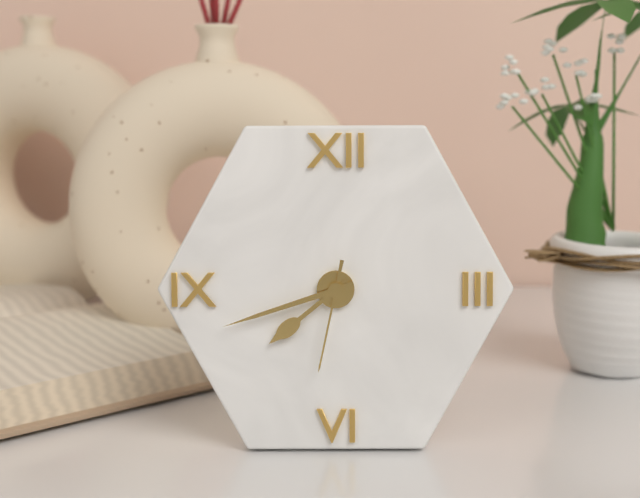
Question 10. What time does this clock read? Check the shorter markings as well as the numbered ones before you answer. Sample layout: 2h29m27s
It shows 7h42m32s
